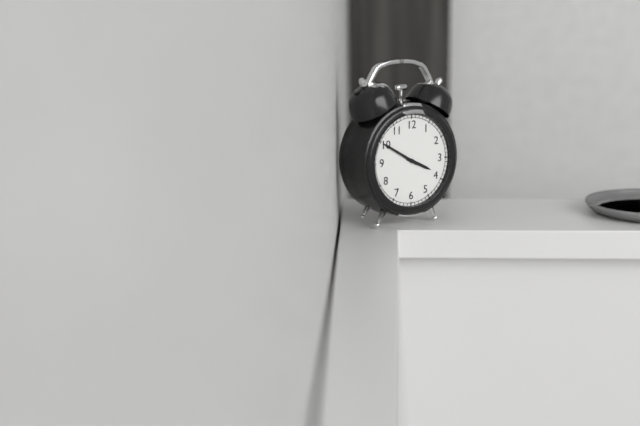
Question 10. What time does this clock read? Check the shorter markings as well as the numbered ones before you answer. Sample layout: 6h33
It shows 3h50
